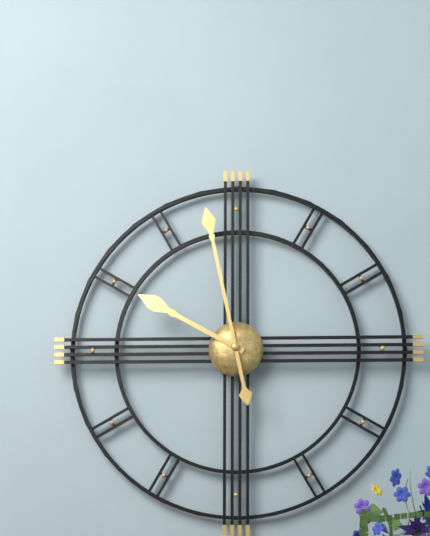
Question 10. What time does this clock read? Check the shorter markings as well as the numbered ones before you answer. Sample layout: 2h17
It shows 9h58
